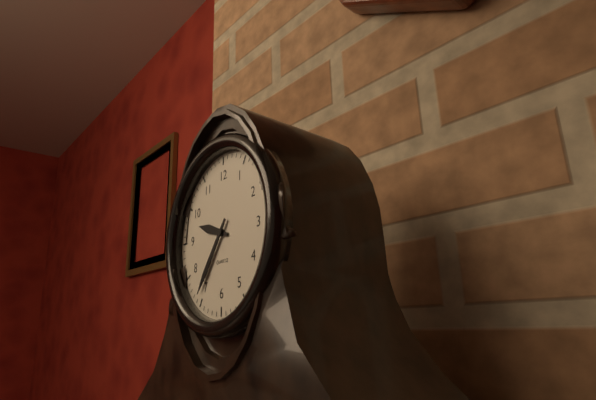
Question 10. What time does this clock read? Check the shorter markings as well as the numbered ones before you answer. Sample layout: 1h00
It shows 9h36
